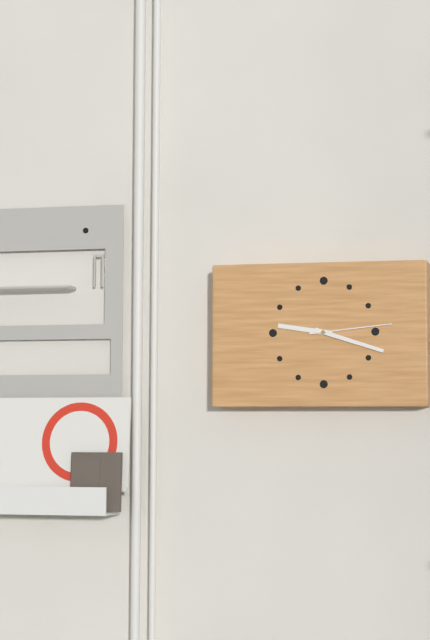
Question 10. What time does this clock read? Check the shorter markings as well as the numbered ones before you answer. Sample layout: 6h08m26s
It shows 9h18m14s
